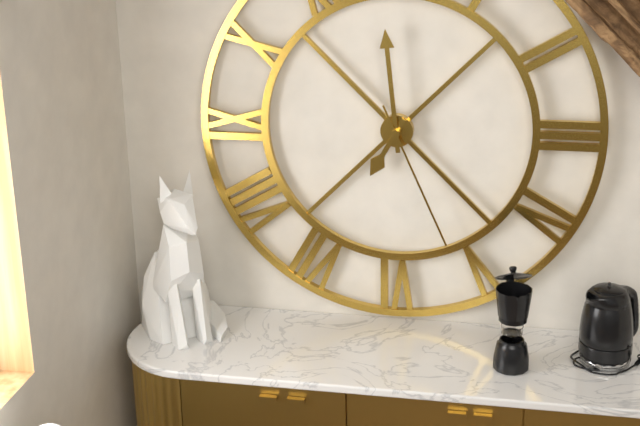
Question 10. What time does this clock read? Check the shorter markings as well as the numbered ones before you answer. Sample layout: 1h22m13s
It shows 6h59m26s
